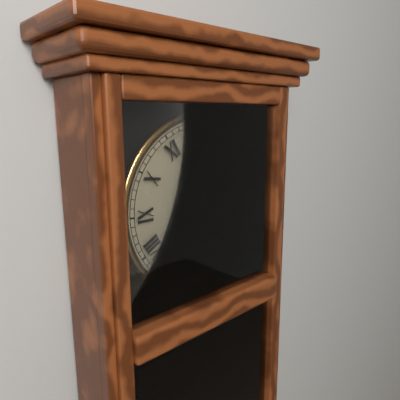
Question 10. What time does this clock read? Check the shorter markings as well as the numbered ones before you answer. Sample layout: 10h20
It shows 6h16
